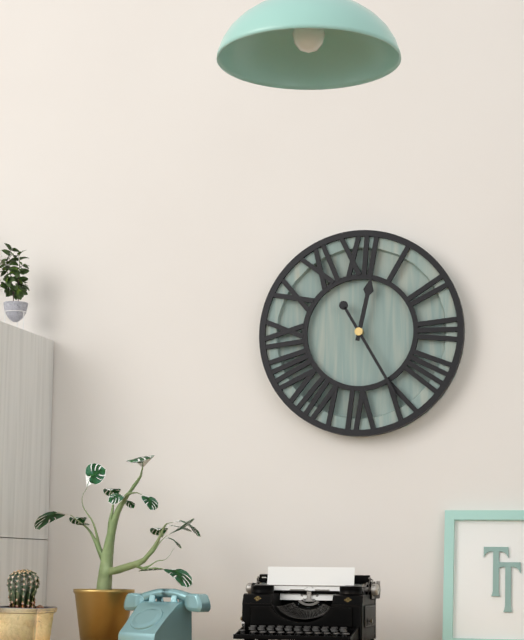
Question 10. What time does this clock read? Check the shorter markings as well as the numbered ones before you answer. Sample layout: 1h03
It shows 12h25
